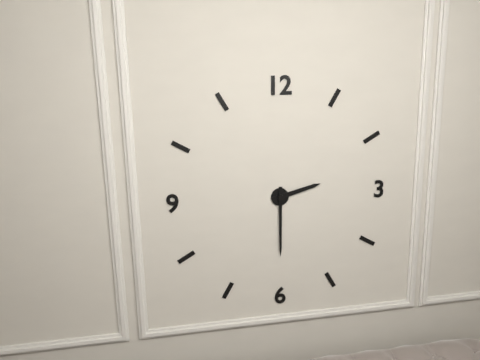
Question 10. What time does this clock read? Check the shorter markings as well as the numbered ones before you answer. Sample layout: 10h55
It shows 2h30
